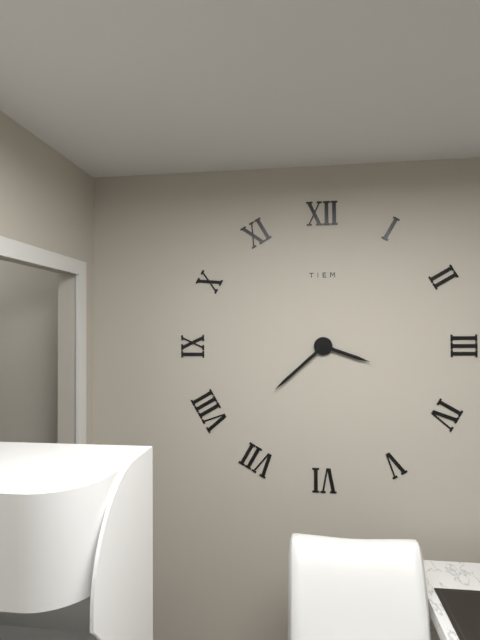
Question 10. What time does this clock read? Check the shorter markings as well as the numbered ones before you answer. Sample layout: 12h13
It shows 3h38
